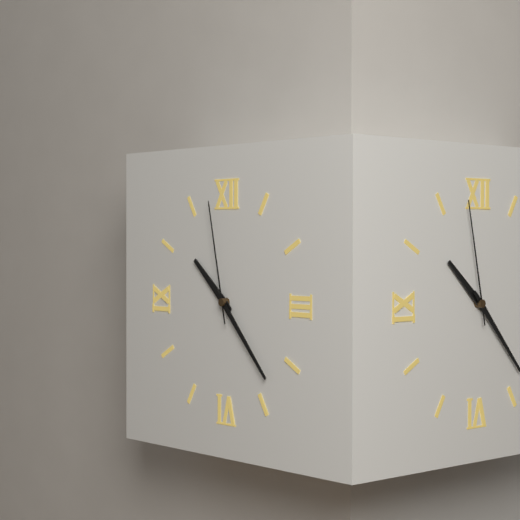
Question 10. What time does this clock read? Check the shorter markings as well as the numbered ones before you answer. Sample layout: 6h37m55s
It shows 10h23m58s
